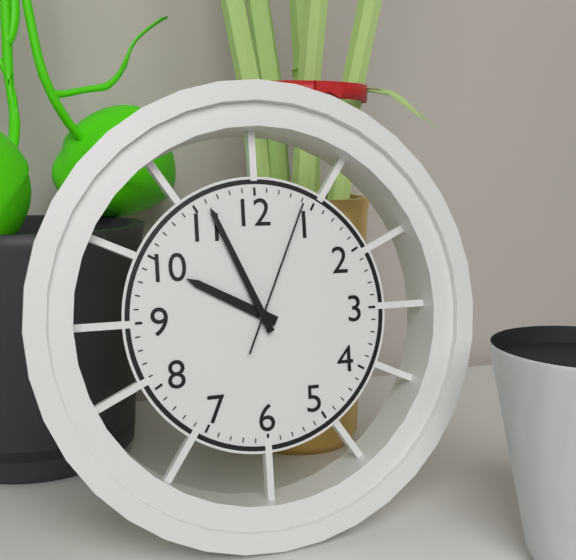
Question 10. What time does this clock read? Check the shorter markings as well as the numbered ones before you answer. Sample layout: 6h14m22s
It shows 9h56m04s
